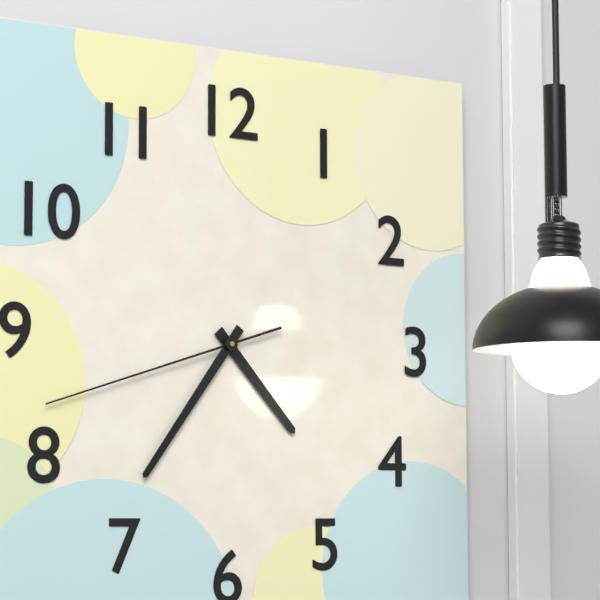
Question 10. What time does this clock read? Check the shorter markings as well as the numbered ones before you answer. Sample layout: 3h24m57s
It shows 4h36m42s
